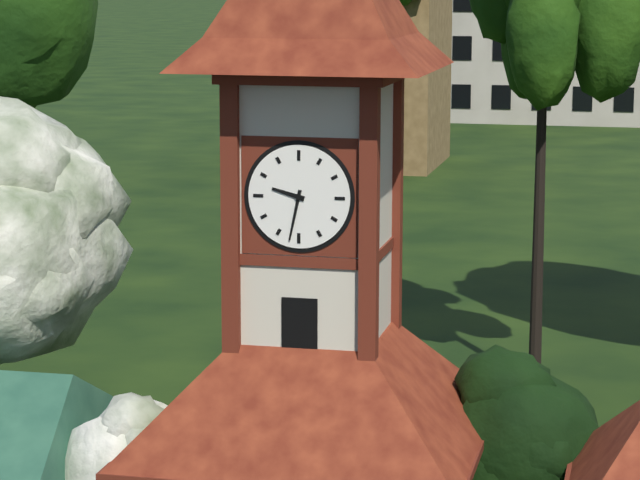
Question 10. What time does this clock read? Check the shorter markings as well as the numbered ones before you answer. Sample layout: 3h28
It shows 9h32
